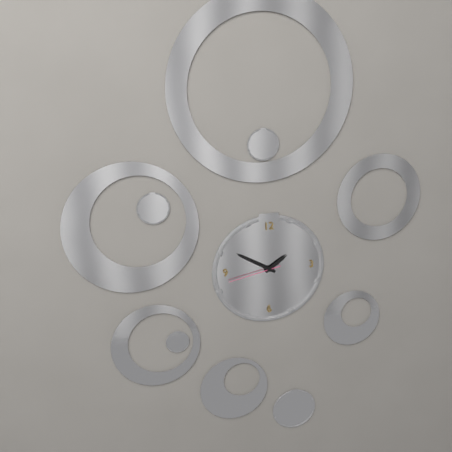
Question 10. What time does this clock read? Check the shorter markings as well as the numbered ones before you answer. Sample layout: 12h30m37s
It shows 1h50m43s
